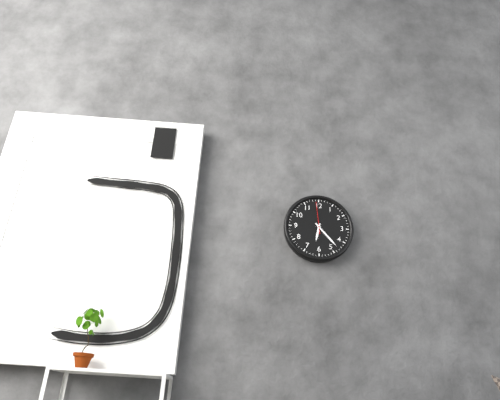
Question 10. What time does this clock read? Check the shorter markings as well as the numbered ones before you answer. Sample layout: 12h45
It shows 6h23
